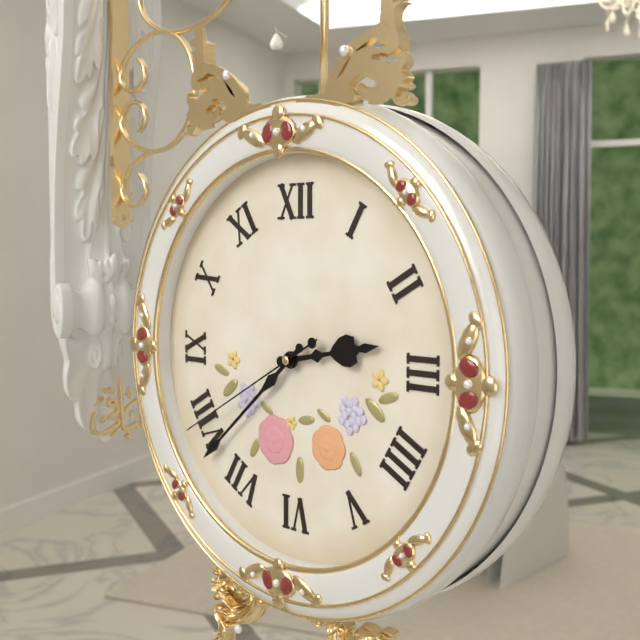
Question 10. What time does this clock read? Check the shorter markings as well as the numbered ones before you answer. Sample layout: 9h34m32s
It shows 2h38m40s
